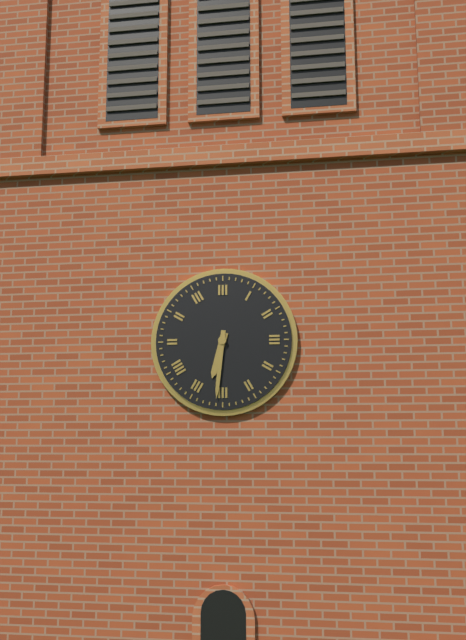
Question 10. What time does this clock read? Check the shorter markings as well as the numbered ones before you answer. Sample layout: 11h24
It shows 6h31
